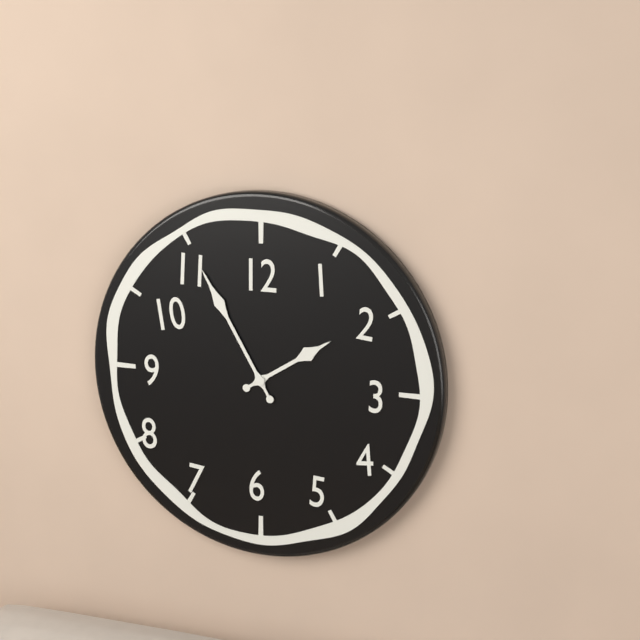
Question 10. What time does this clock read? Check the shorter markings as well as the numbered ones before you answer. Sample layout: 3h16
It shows 1h55
